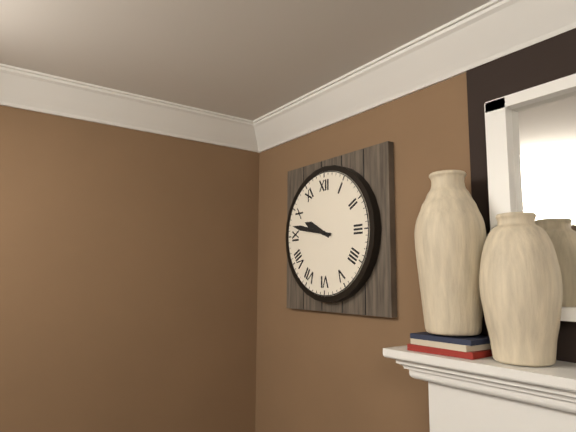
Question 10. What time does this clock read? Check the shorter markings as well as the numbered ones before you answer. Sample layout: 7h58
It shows 9h47
